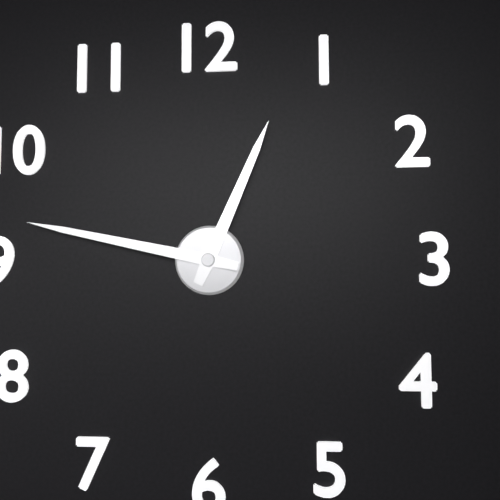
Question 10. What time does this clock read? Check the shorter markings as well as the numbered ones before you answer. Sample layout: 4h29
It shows 12h47
